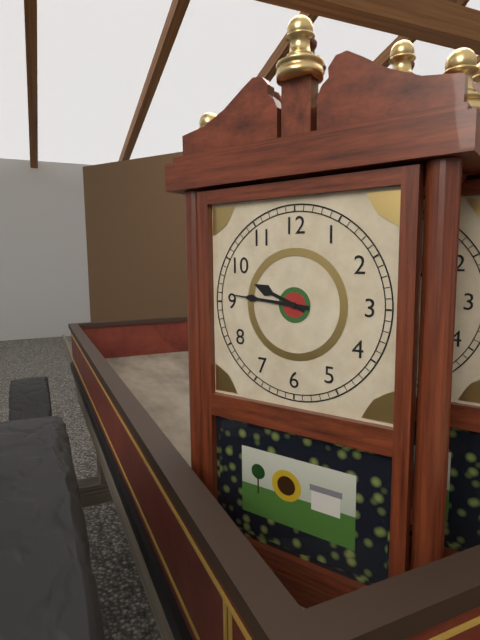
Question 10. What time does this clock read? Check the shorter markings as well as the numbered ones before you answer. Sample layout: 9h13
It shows 9h46
